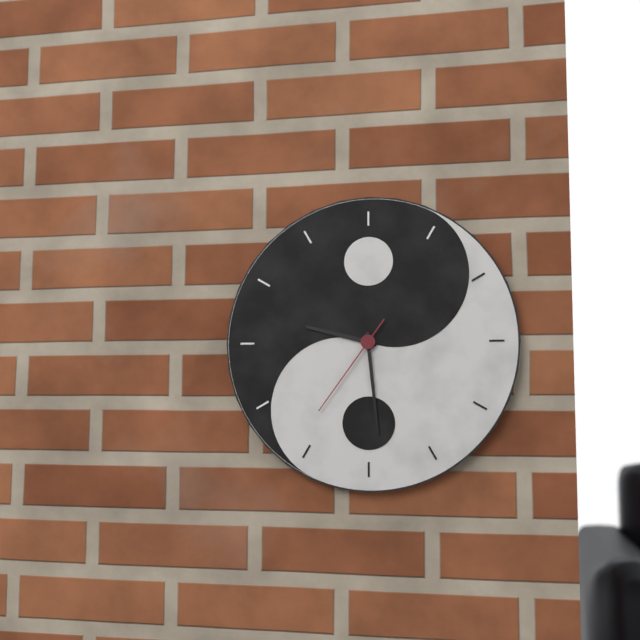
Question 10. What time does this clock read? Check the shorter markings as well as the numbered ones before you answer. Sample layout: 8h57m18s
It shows 9h29m36s
